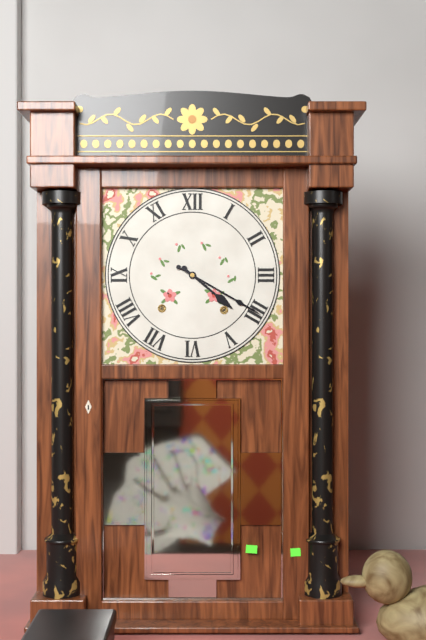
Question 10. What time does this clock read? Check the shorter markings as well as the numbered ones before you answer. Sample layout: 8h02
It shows 4h20
